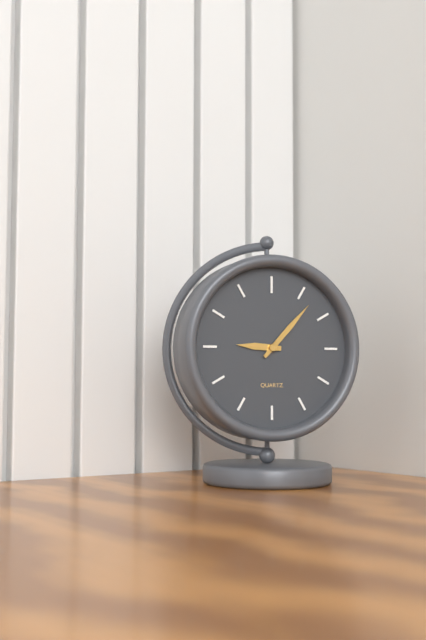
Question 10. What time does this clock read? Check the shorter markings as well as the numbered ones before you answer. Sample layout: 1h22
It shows 9h07
